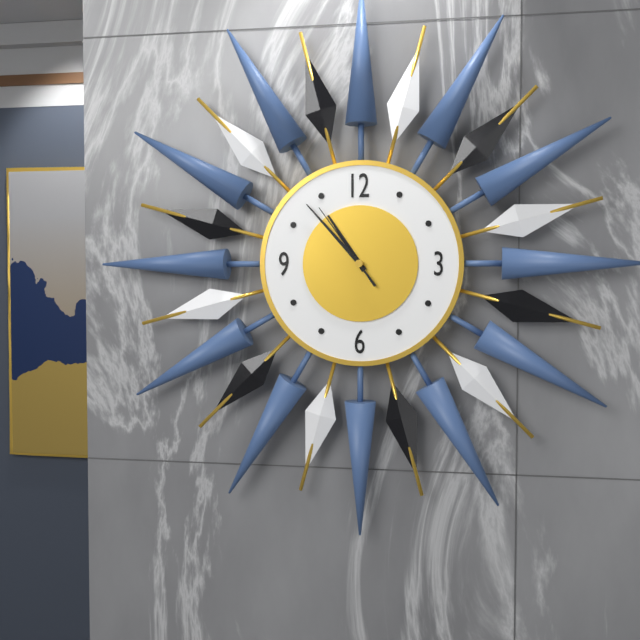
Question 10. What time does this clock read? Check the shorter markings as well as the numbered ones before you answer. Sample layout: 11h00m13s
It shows 10h53m54s
